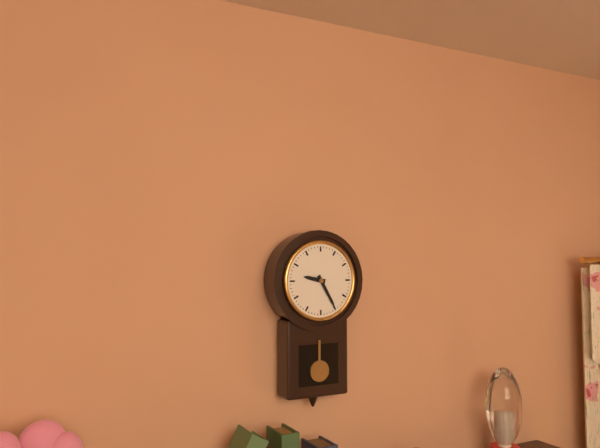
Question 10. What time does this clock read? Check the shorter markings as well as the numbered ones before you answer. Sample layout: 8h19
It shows 9h25
